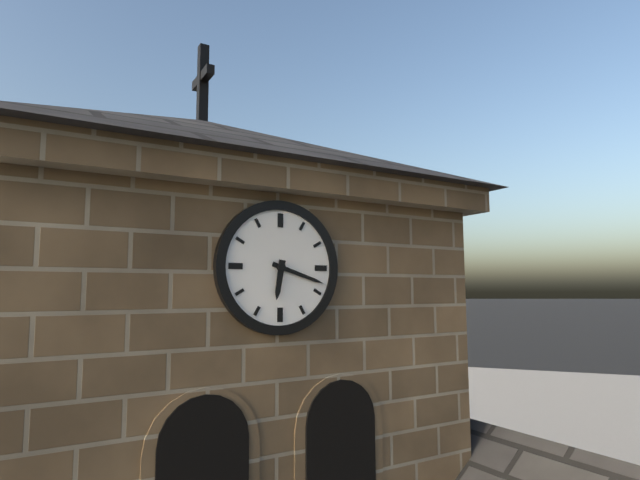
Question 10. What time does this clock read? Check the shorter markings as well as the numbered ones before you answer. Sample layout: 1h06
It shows 6h18
